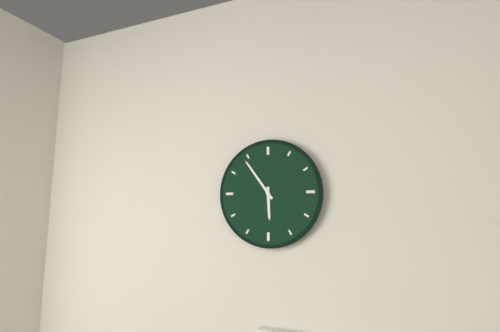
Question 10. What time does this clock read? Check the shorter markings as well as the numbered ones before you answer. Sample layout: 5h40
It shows 5h54
